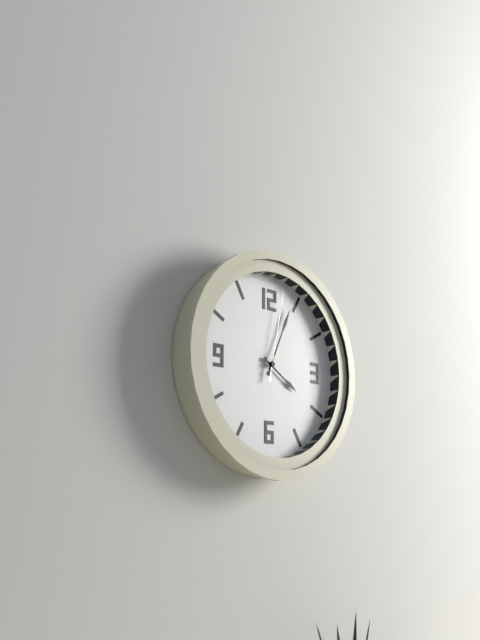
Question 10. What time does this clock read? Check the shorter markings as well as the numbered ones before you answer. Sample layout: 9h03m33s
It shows 4h04m02s
